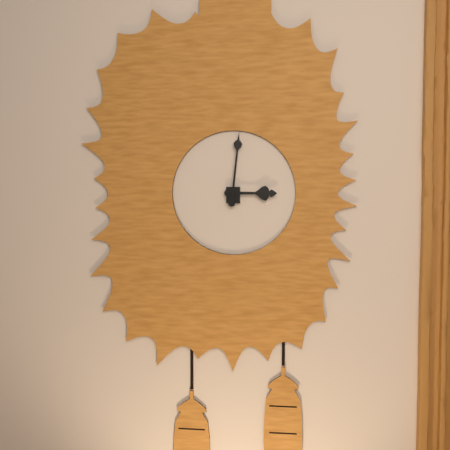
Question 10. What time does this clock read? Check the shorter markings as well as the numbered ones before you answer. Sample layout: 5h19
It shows 3h01
